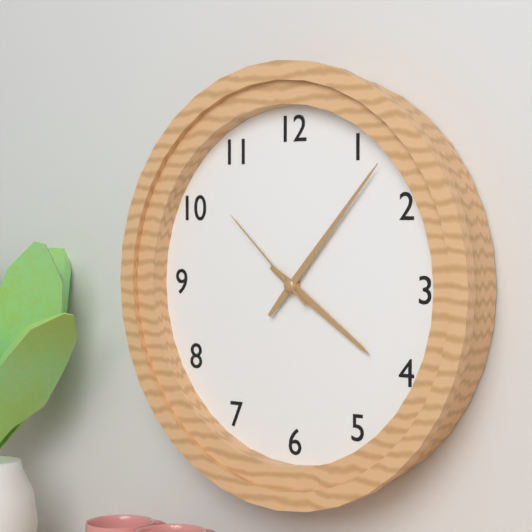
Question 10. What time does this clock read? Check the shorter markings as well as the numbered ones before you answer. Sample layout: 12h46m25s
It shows 4h07m52s
